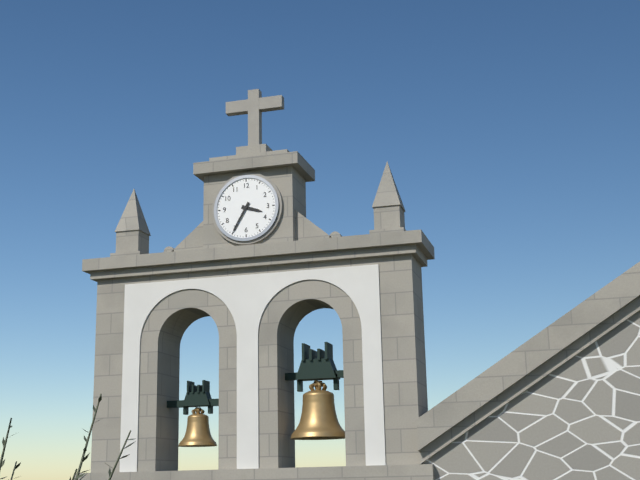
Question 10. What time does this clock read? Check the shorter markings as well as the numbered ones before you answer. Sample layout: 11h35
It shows 3h35
